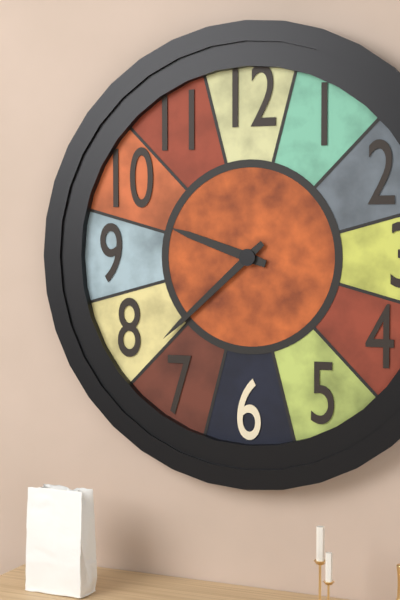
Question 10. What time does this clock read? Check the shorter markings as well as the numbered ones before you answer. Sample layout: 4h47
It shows 9h38
